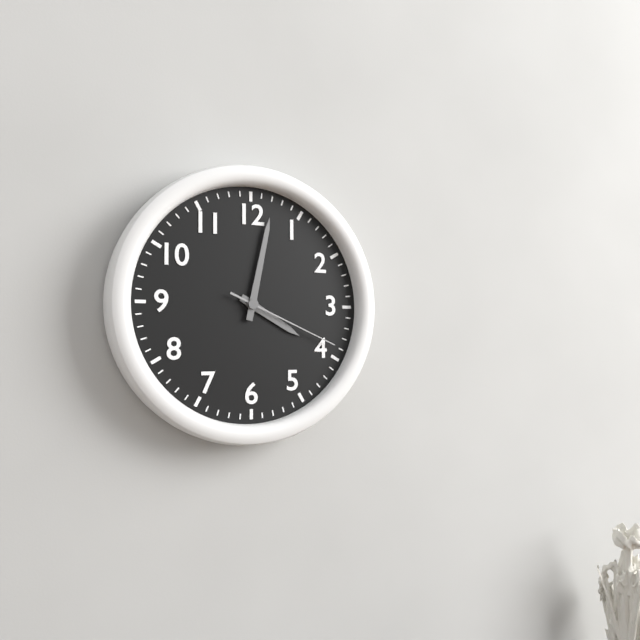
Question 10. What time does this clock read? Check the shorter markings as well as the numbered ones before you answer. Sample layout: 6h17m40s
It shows 4h02m19s
